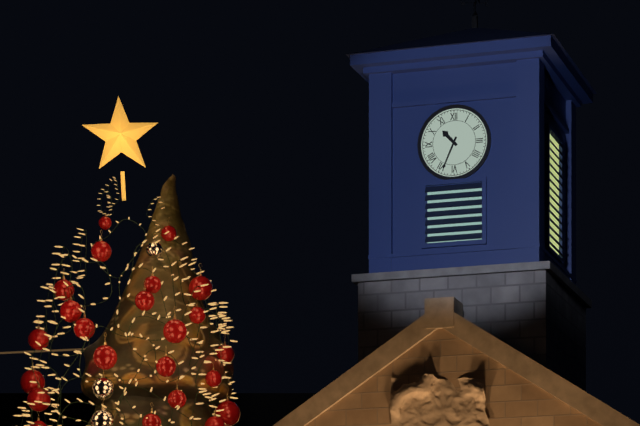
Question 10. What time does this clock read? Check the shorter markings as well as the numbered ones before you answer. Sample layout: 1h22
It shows 10h34
